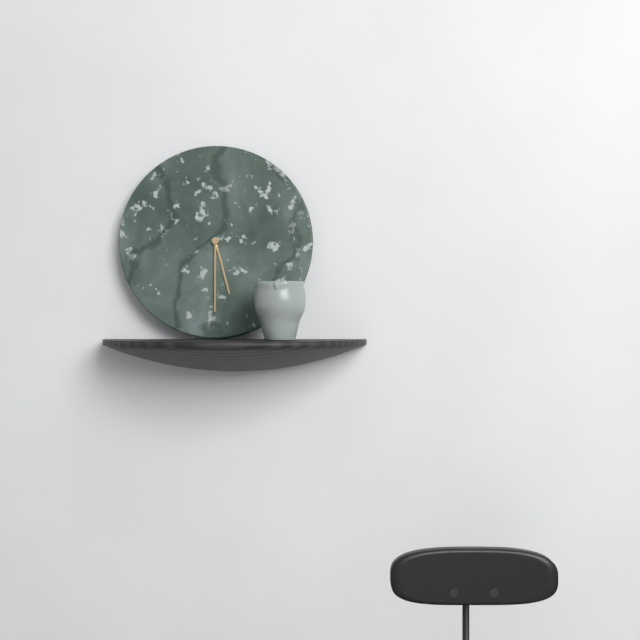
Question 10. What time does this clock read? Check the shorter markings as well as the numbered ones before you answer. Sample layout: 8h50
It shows 5h30
